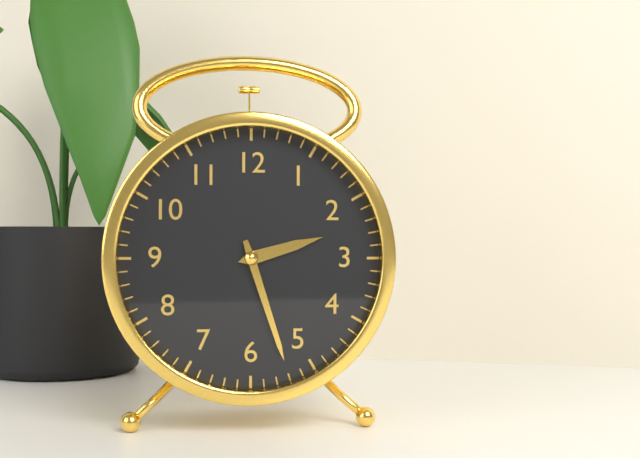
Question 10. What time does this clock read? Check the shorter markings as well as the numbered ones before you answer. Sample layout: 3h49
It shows 2h27
